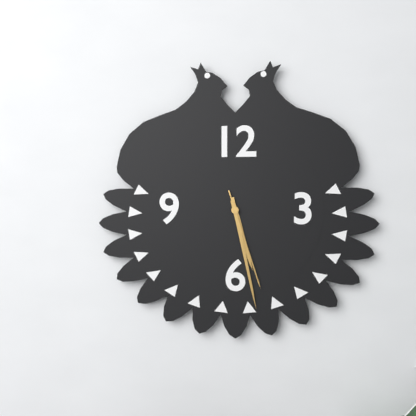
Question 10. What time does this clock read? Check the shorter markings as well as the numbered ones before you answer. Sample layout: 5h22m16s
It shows 5h28m27s
